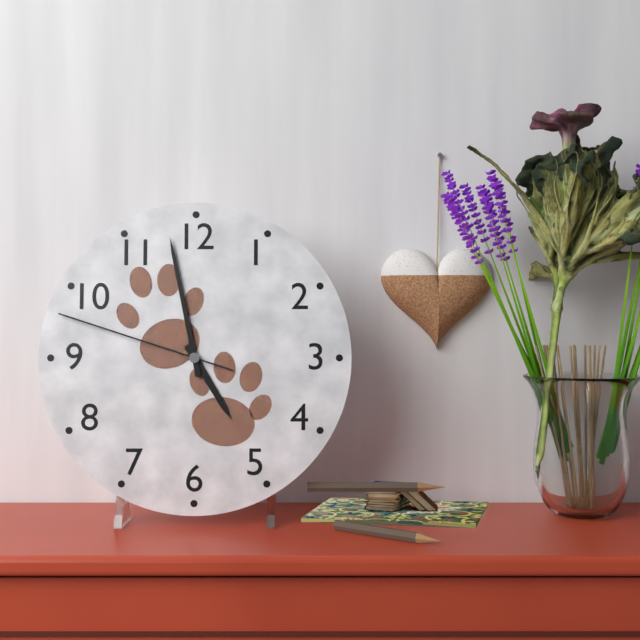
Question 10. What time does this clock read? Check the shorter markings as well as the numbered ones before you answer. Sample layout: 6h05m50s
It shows 4h58m48s
